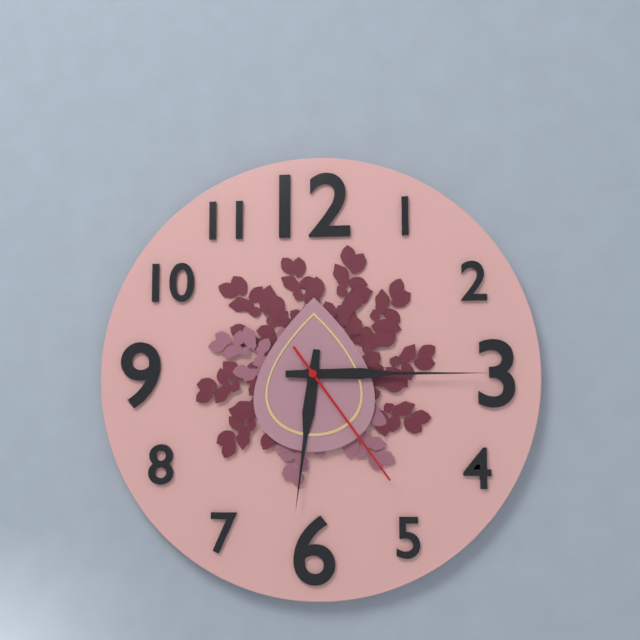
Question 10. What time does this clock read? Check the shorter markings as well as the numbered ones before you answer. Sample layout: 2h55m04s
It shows 6h15m24s
